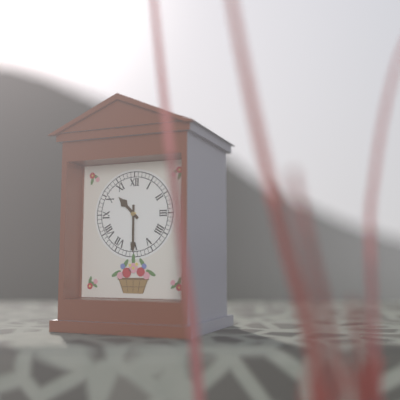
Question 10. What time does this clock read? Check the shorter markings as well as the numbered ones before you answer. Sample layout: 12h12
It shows 10h30
